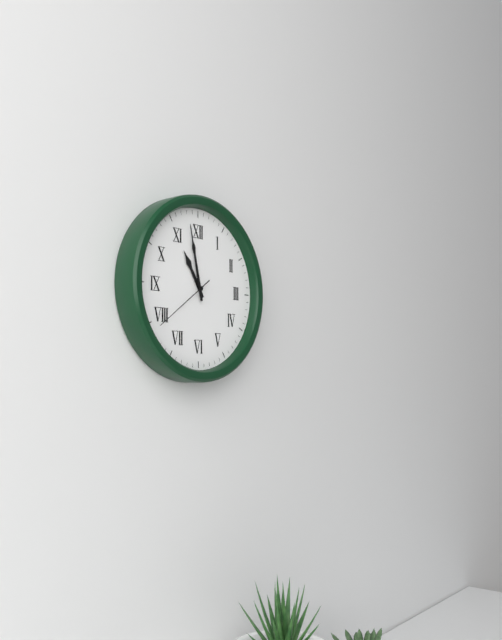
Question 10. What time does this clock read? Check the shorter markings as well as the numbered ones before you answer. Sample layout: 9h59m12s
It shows 10h58m39s
